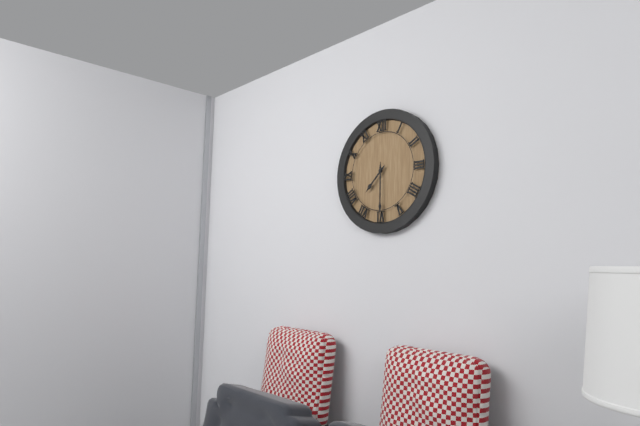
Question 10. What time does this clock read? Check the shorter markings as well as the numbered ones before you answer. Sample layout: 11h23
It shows 7h30
